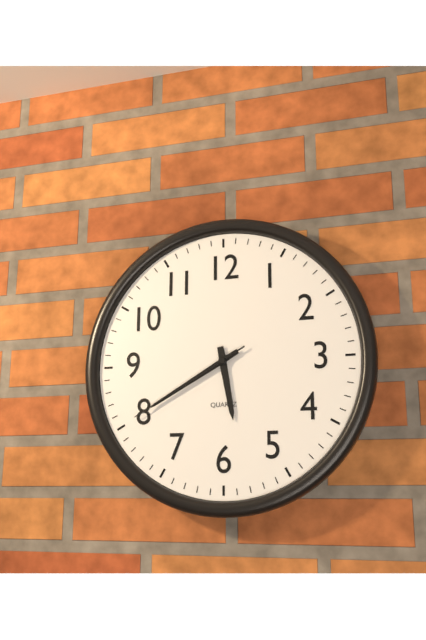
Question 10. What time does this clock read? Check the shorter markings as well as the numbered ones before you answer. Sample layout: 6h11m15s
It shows 5h40m40s
